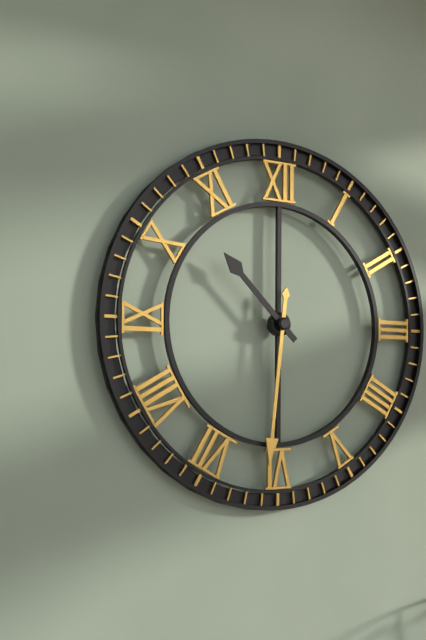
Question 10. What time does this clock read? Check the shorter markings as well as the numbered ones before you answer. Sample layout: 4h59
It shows 10h31
